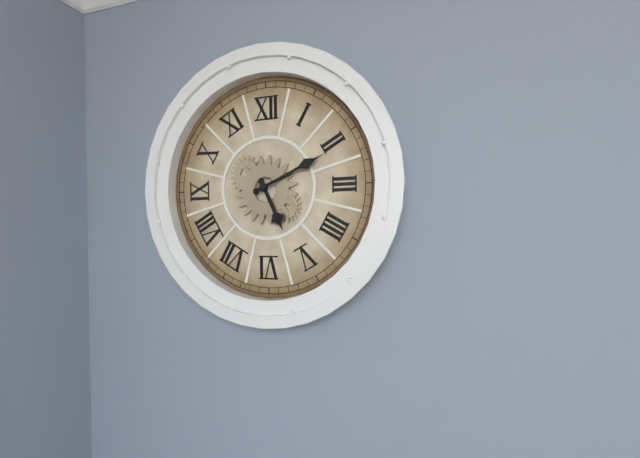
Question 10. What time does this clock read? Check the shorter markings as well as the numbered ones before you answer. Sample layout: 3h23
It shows 5h11
